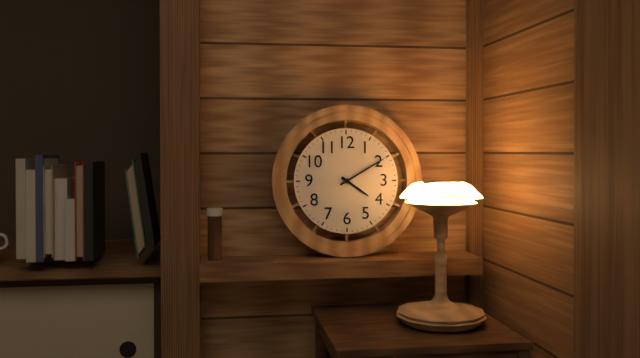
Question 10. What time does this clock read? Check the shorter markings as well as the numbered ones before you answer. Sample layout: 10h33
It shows 4h10
